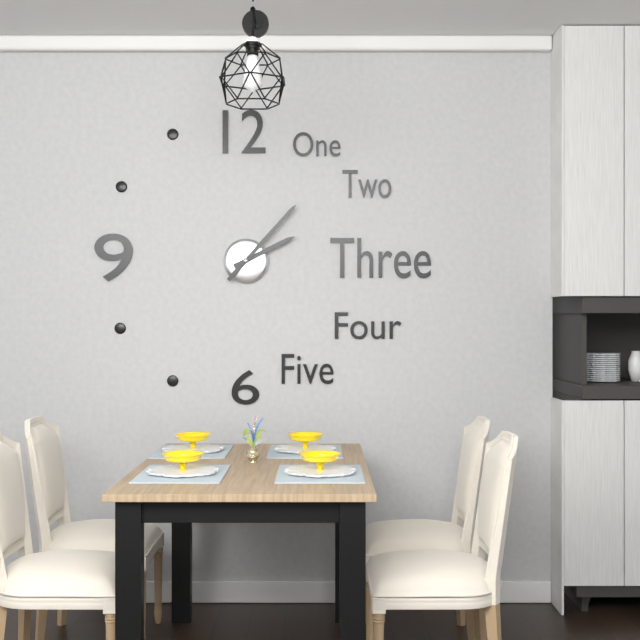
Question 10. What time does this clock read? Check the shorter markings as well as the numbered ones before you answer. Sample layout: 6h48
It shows 2h07
